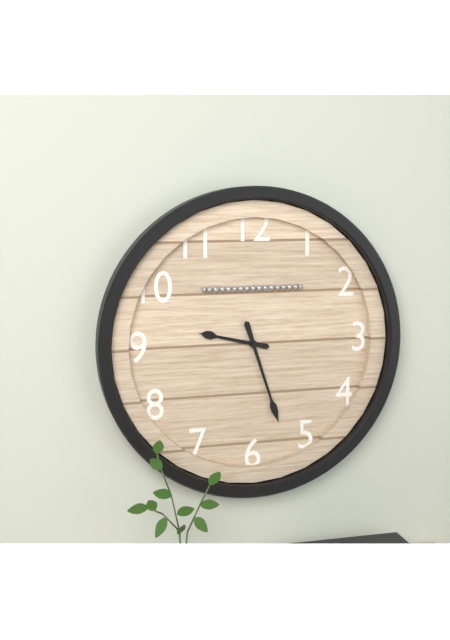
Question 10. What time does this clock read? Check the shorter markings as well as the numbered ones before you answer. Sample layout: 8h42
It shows 9h27
